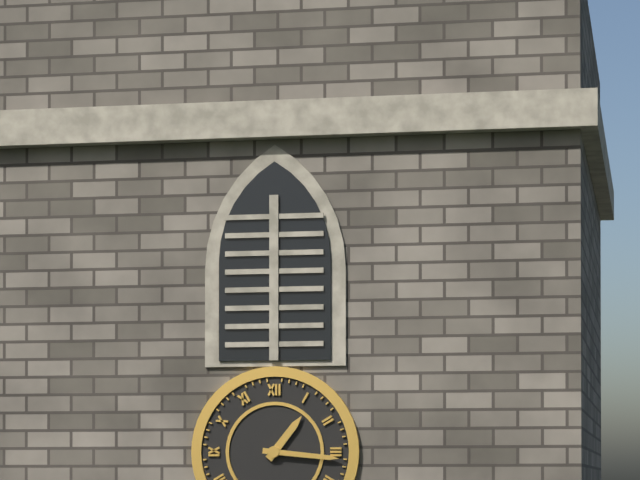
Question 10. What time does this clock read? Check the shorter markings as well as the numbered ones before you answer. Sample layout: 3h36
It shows 1h16
